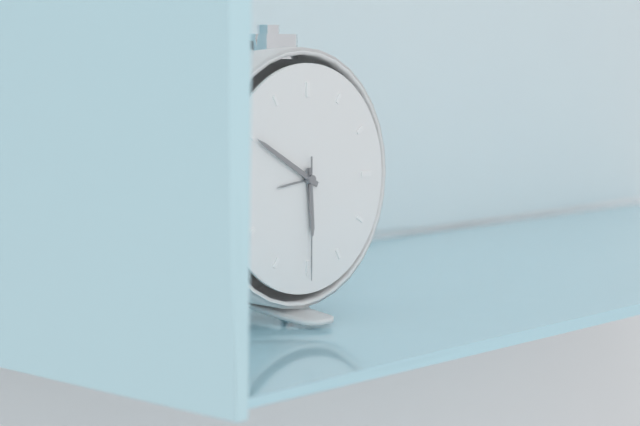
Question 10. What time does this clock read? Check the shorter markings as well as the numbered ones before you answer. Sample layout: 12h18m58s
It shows 5h50m30s
